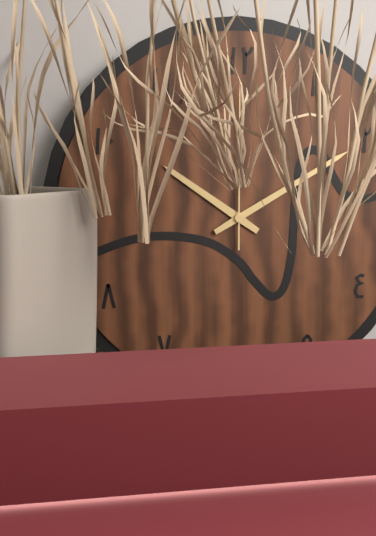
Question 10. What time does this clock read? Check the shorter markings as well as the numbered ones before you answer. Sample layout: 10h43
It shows 10h10
